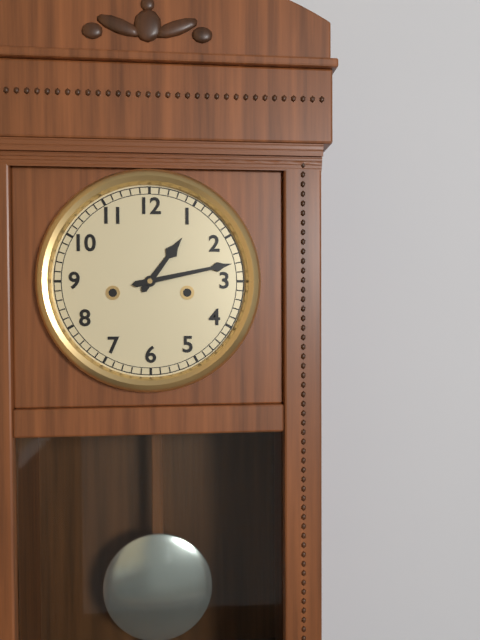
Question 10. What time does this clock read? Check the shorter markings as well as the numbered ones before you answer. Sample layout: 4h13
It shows 1h13
